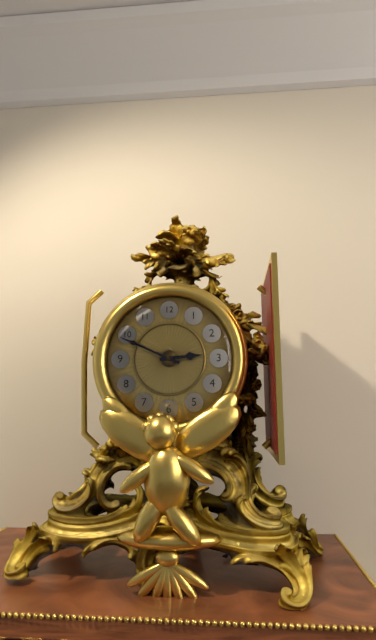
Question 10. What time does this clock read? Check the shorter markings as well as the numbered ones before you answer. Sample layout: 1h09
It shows 2h49
